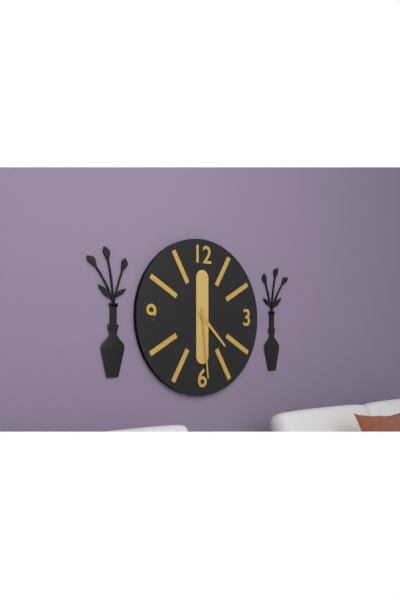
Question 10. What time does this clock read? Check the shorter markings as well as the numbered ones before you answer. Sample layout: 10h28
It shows 4h29
